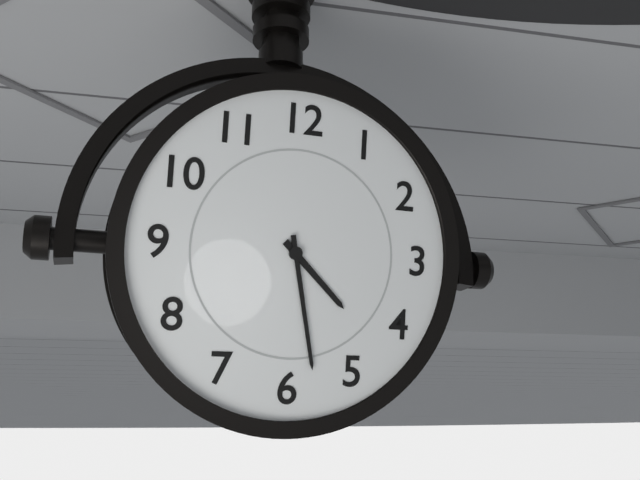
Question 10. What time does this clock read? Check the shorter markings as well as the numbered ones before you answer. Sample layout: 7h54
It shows 4h28
